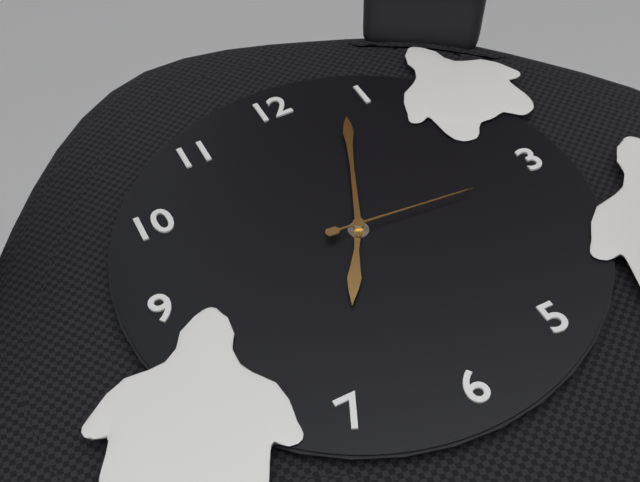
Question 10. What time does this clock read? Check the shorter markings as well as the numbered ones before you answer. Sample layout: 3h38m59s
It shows 7h04m16s
